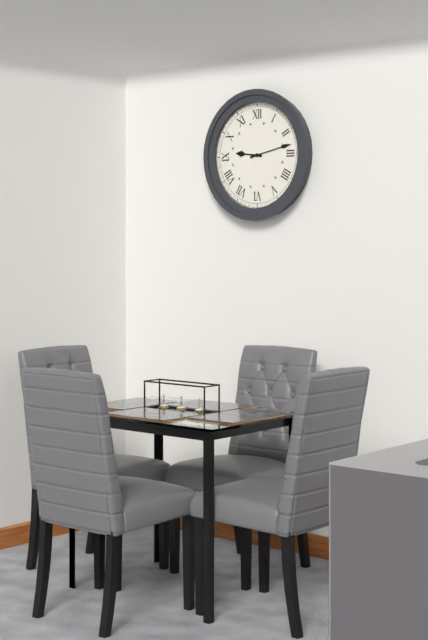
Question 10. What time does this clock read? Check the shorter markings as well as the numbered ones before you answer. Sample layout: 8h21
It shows 9h13
